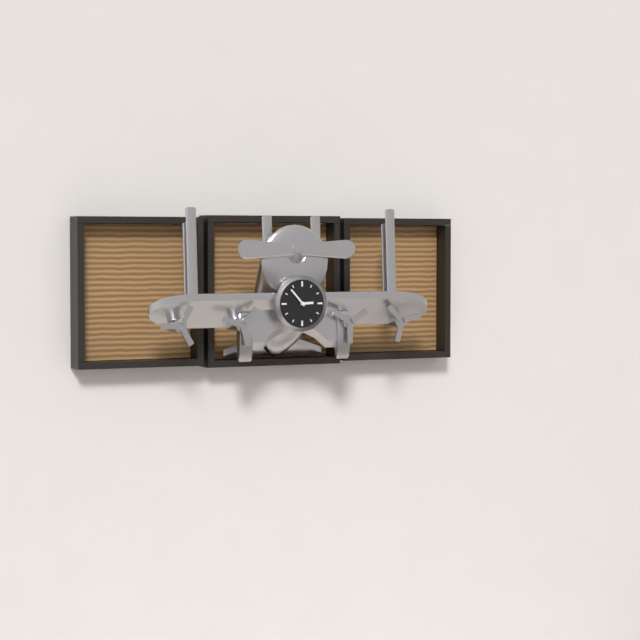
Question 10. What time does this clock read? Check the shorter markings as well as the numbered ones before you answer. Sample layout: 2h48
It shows 2h53
